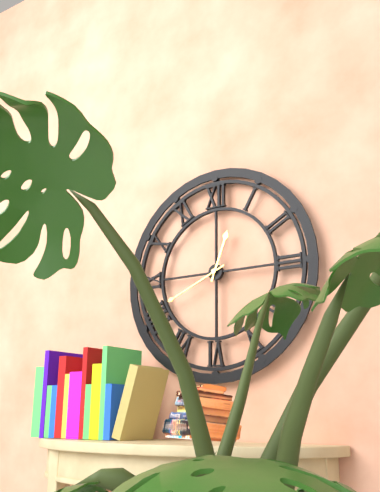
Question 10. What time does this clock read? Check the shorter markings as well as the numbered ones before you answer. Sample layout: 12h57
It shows 12h41
